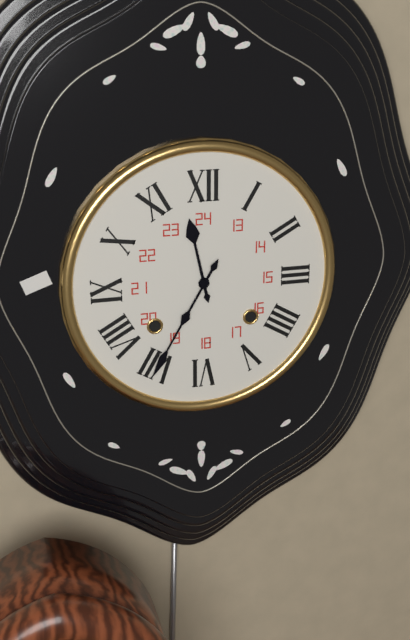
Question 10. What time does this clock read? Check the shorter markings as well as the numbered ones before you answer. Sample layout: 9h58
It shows 11h35
